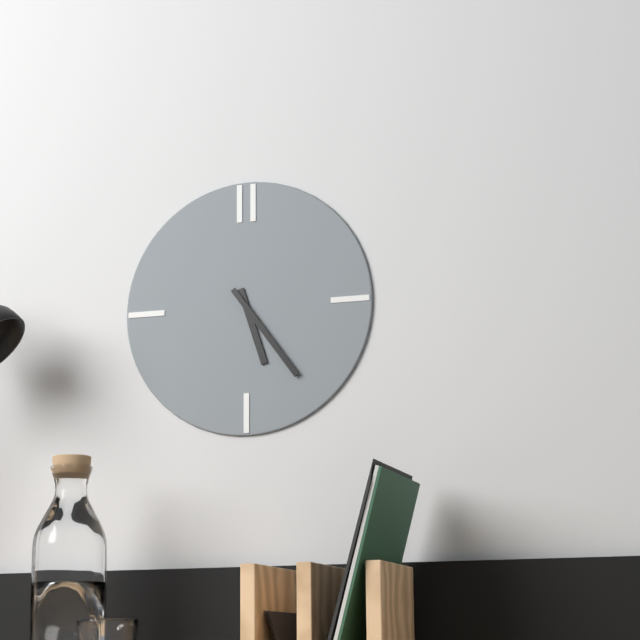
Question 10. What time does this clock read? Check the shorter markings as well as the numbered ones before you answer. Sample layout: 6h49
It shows 5h24
